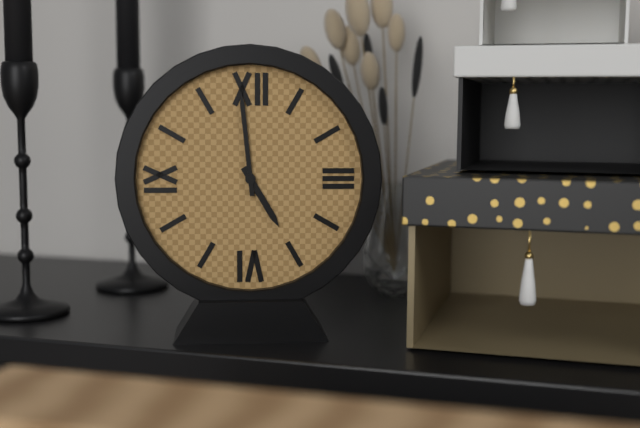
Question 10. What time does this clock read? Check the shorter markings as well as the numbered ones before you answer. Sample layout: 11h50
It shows 4h59
